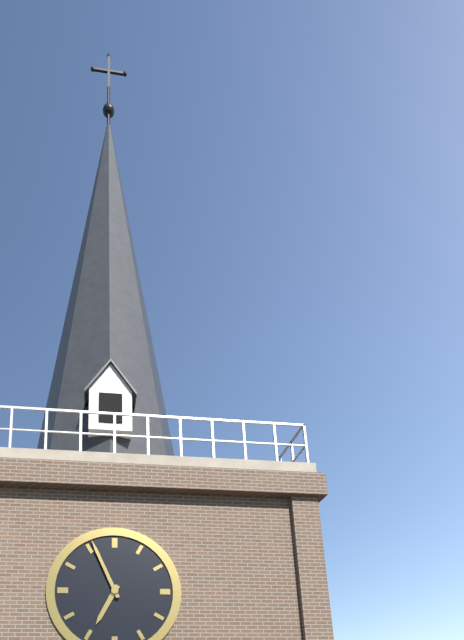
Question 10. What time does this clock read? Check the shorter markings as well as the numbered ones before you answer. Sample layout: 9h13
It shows 6h56
